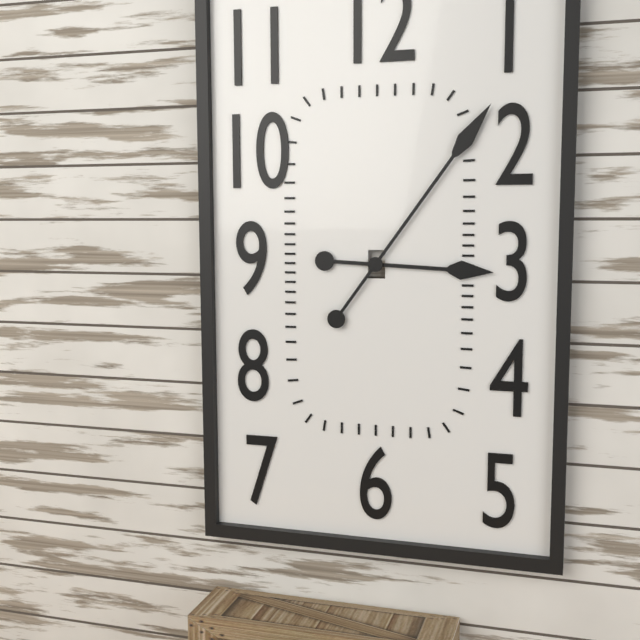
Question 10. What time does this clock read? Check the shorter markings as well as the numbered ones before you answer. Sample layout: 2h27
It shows 3h06
